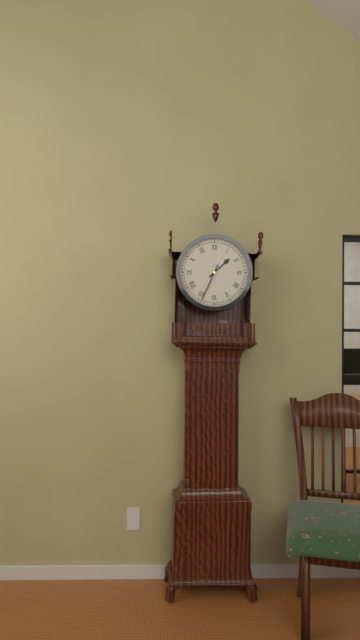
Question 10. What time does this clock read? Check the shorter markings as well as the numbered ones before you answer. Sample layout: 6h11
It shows 1h34
